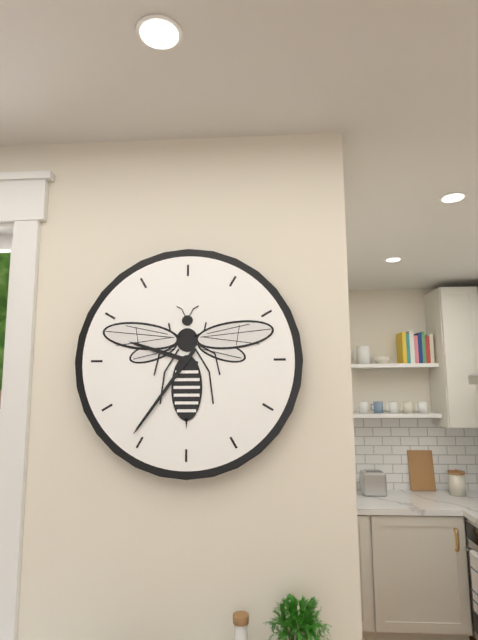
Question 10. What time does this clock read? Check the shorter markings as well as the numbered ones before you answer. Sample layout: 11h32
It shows 9h36
